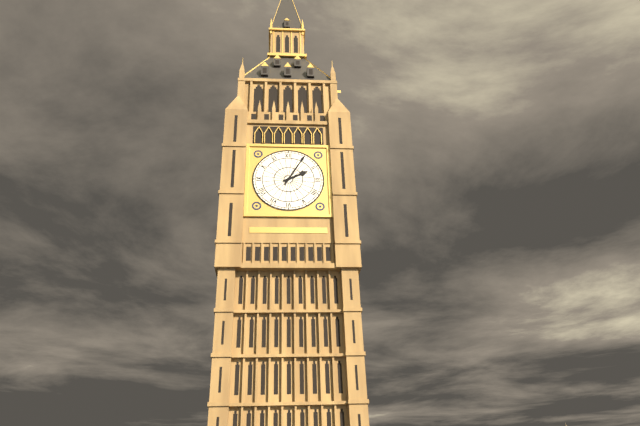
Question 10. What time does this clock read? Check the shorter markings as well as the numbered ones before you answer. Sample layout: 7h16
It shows 2h05
